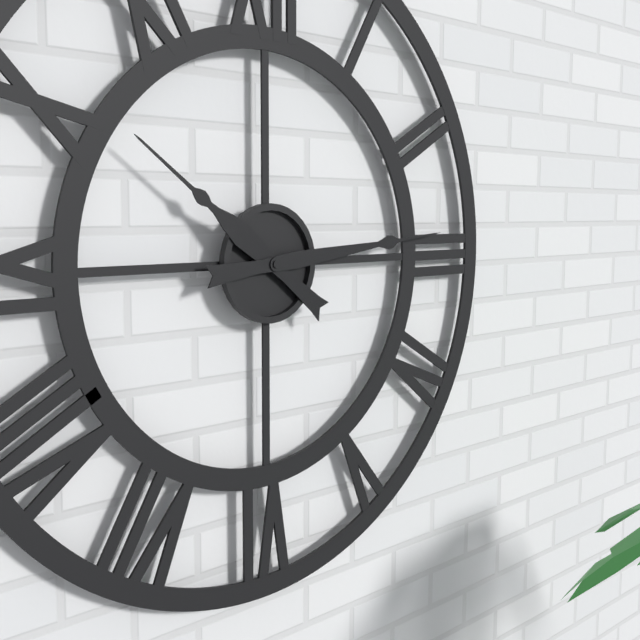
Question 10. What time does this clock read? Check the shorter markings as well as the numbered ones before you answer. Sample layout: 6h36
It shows 10h14
